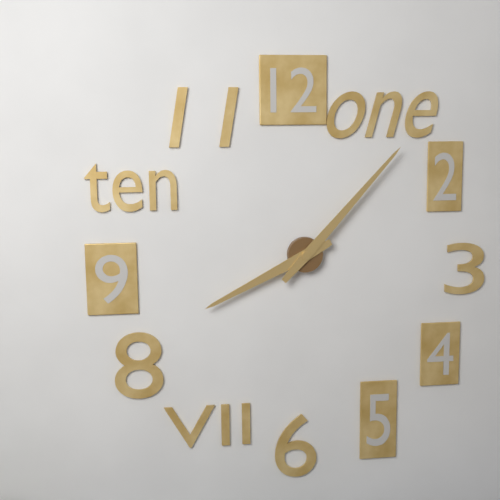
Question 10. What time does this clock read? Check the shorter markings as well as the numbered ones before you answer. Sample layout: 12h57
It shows 8h07
